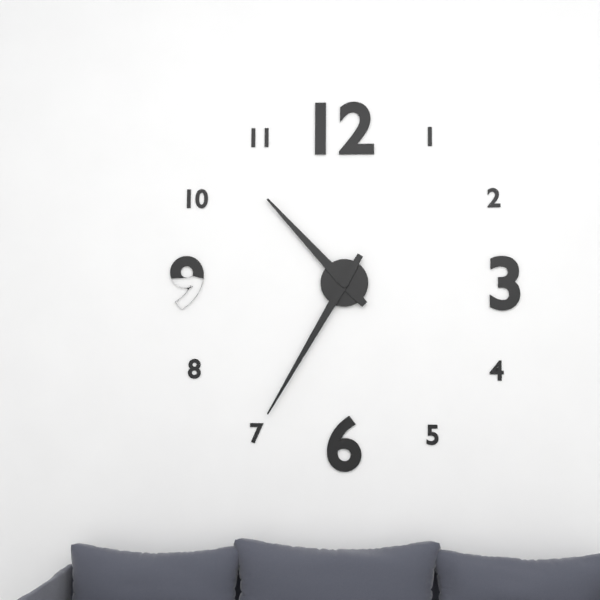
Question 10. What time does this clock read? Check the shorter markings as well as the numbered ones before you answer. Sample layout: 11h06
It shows 10h35
